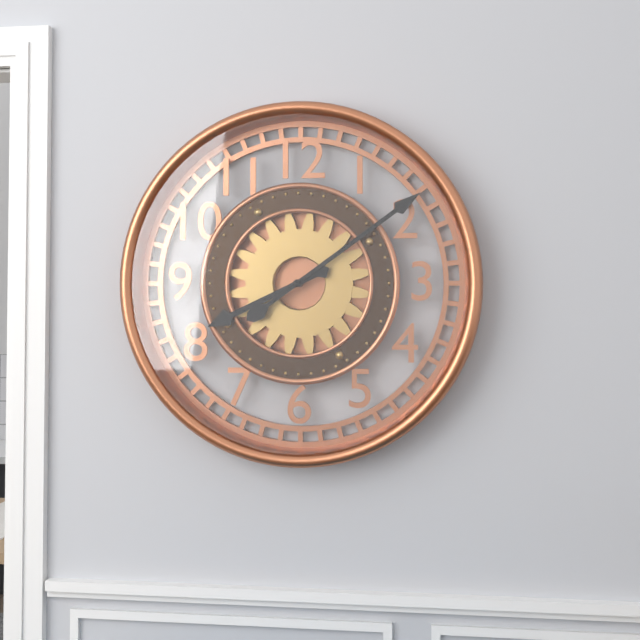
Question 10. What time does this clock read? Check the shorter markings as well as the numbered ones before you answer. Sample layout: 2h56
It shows 8h09
